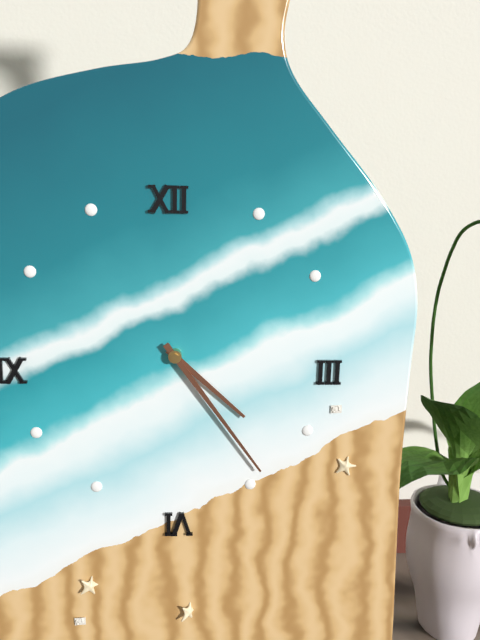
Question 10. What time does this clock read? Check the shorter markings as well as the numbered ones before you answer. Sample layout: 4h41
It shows 4h24
